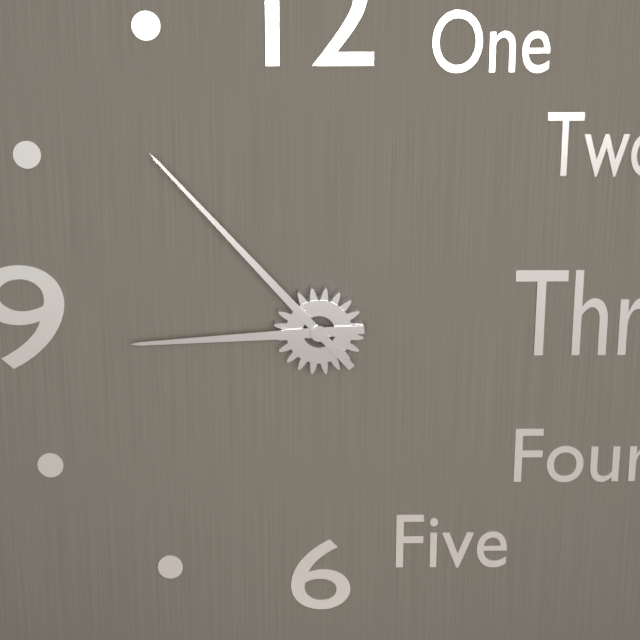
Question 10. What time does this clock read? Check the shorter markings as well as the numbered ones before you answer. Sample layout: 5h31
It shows 8h53
